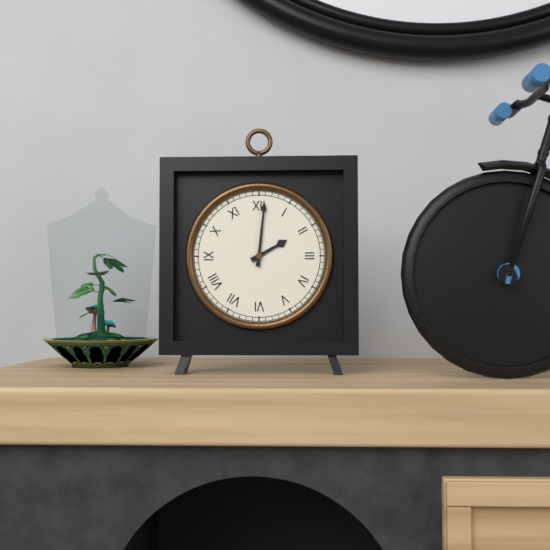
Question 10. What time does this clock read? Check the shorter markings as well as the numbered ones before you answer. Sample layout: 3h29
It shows 2h01
